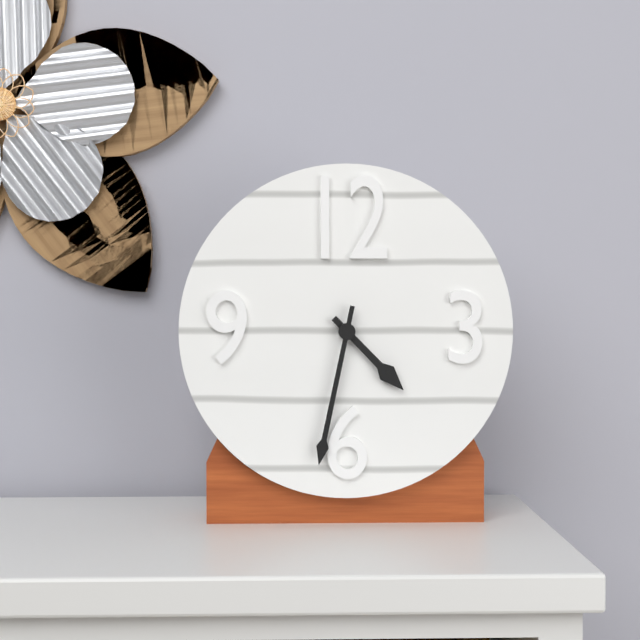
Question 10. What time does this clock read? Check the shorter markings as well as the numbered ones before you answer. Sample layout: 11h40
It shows 4h32
